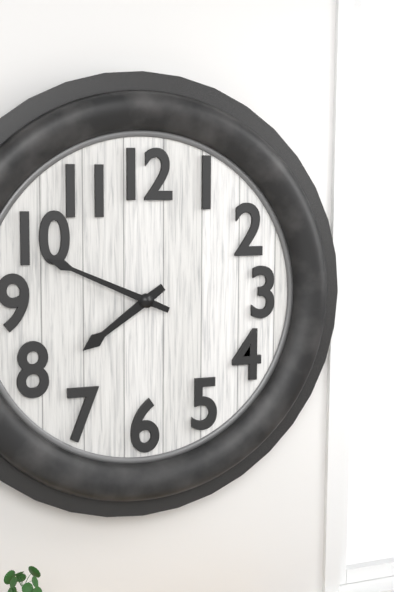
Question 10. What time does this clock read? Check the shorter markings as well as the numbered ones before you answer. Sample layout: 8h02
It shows 7h49
